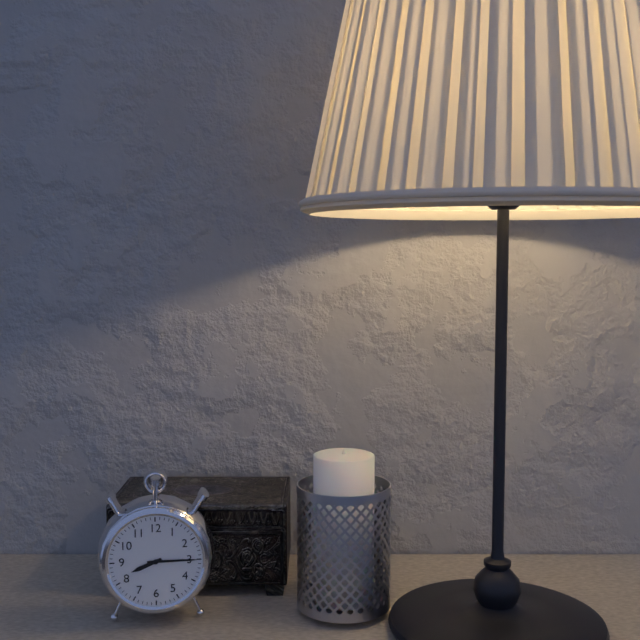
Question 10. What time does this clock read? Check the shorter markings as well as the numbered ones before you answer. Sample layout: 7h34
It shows 8h15
